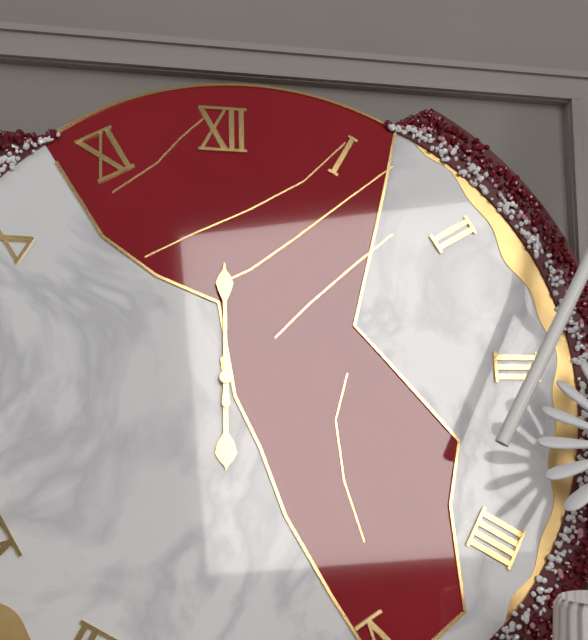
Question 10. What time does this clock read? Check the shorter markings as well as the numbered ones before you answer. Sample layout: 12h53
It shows 6h00
